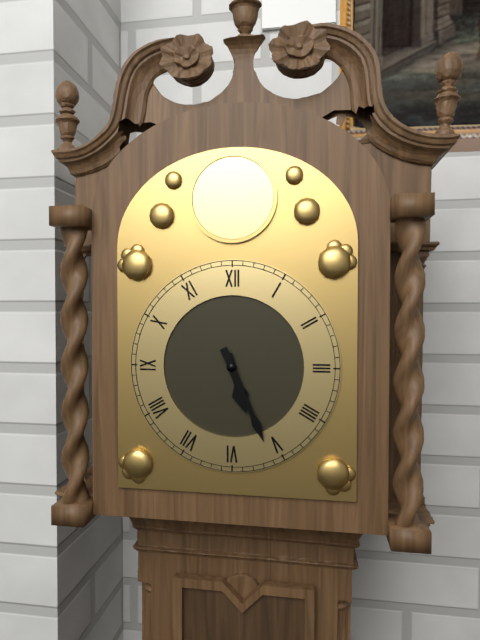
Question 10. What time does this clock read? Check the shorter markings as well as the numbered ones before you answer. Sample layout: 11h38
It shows 5h26
